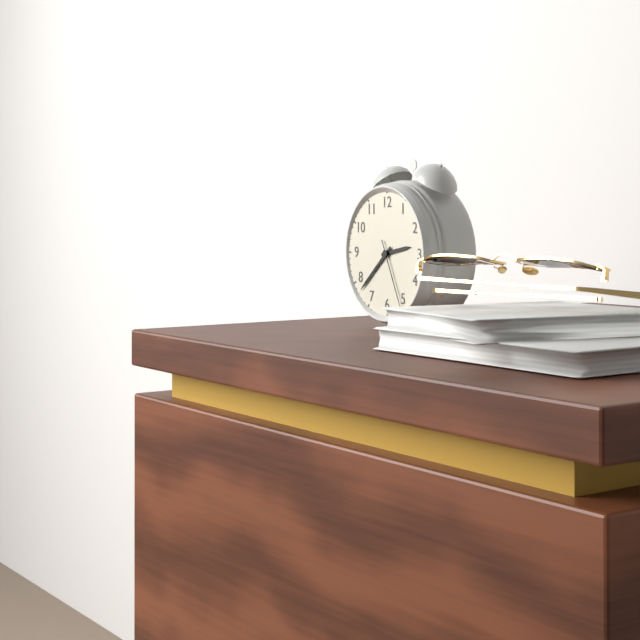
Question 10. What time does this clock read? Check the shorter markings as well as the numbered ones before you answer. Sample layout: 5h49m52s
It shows 2h38m26s
